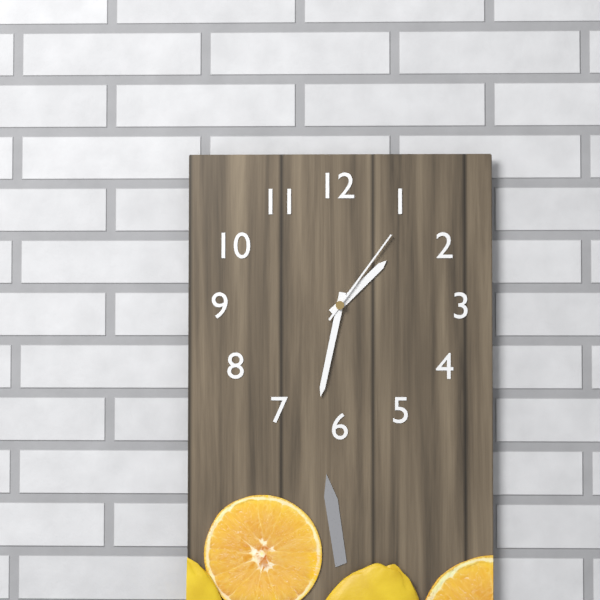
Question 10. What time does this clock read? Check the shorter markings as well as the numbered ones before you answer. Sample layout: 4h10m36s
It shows 1h32m06s
